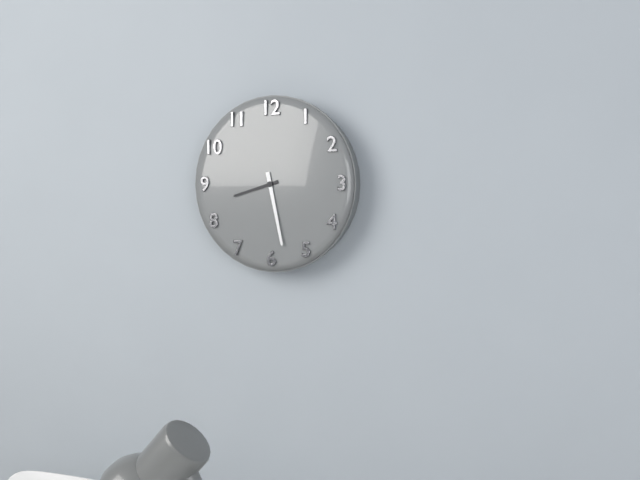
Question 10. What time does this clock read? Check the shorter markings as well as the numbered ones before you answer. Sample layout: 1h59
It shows 8h28
